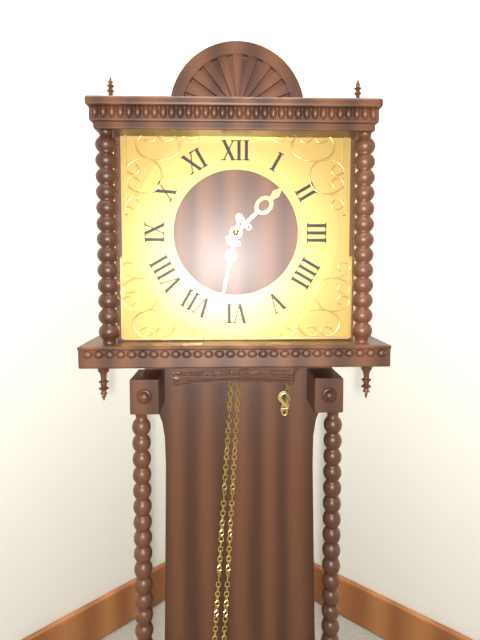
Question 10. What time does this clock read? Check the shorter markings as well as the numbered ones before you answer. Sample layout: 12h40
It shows 1h32
